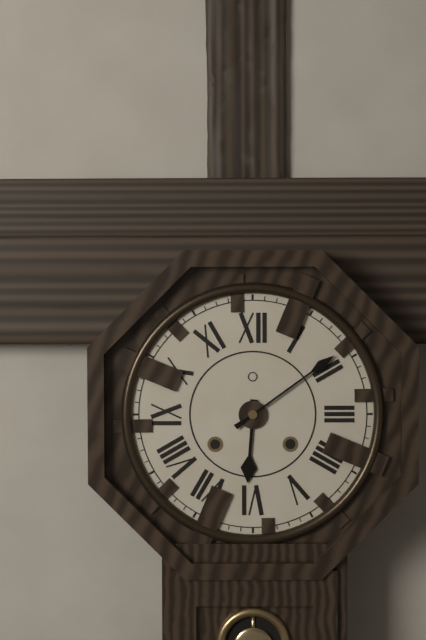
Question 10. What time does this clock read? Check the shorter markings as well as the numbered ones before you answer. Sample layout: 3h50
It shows 6h09
